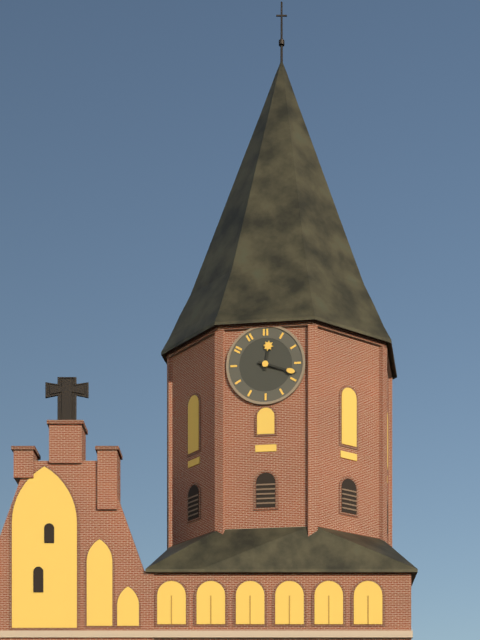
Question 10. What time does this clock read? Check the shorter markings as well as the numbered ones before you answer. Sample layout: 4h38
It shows 12h18
